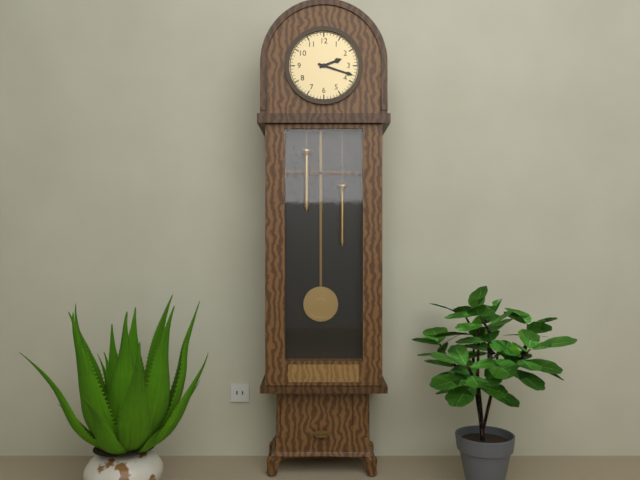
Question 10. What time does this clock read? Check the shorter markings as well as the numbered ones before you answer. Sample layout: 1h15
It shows 2h18
